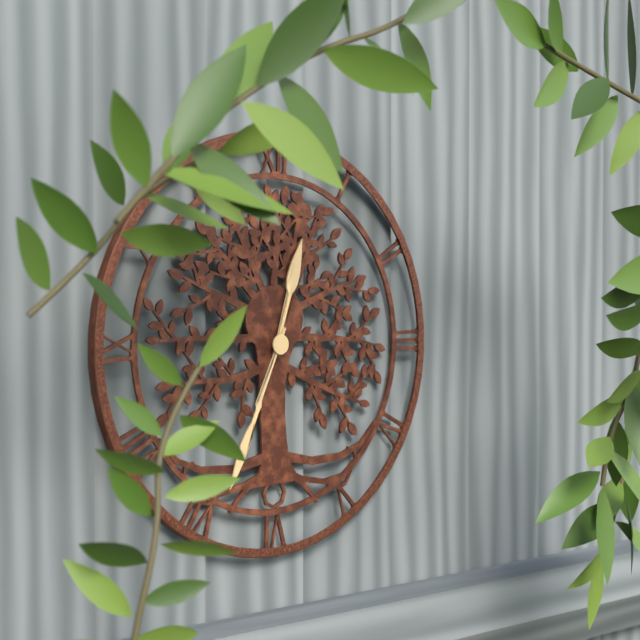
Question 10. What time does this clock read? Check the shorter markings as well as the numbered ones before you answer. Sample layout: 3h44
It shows 12h34
